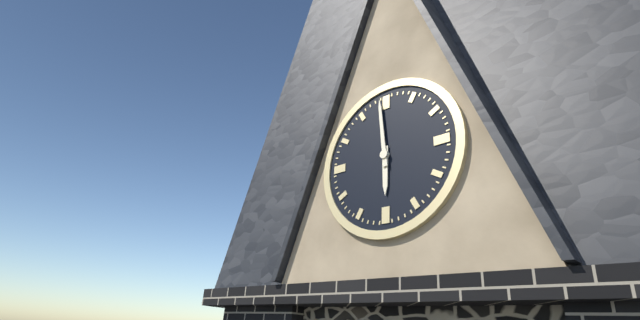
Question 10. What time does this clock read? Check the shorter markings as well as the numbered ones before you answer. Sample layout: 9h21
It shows 5h59
